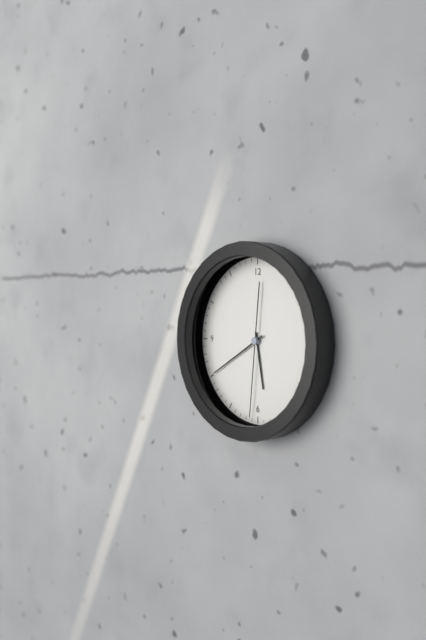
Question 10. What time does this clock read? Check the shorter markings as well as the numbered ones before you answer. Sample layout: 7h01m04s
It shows 5h40m31s
